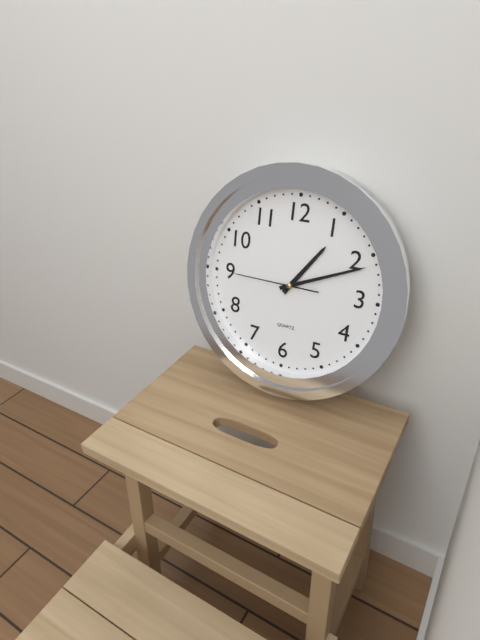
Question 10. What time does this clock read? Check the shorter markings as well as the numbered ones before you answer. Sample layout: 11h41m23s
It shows 1h11m45s
